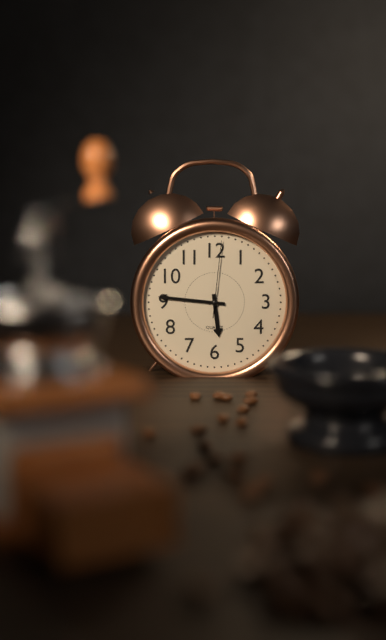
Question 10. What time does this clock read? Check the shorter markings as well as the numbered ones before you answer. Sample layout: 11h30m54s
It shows 5h46m01s
